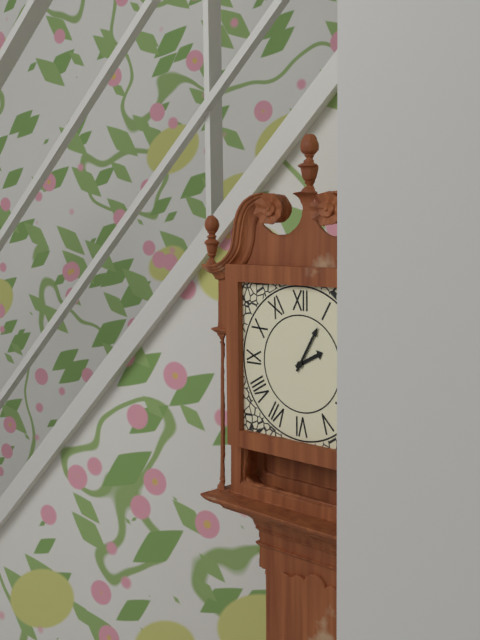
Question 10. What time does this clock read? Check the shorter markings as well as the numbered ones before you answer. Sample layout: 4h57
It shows 2h05
